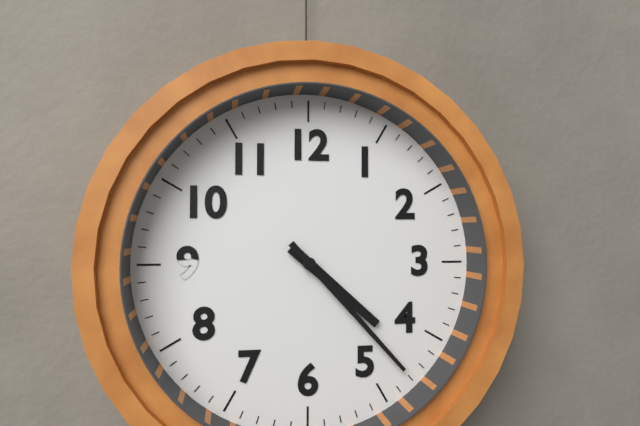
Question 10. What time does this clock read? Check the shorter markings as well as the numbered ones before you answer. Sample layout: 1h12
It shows 4h23
